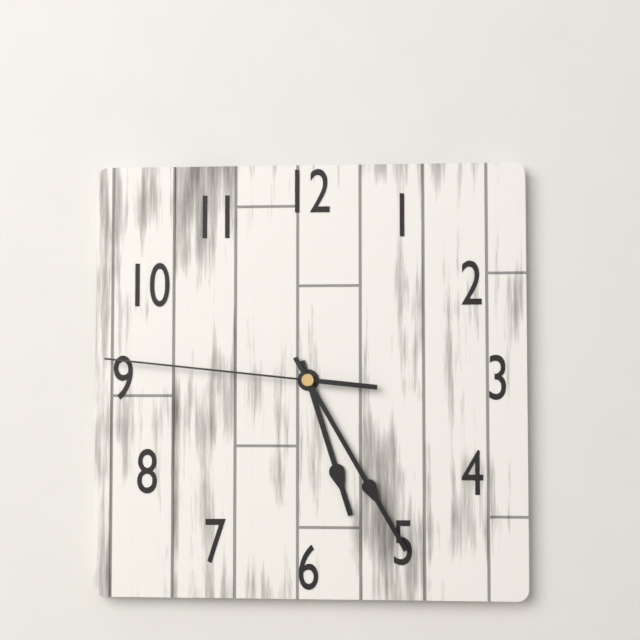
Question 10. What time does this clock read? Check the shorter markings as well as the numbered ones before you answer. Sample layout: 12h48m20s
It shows 5h25m46s
